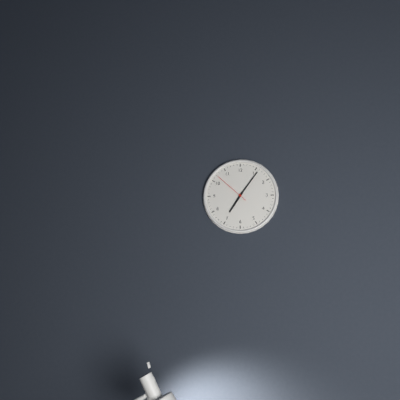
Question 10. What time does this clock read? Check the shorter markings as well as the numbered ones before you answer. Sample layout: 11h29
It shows 7h06
